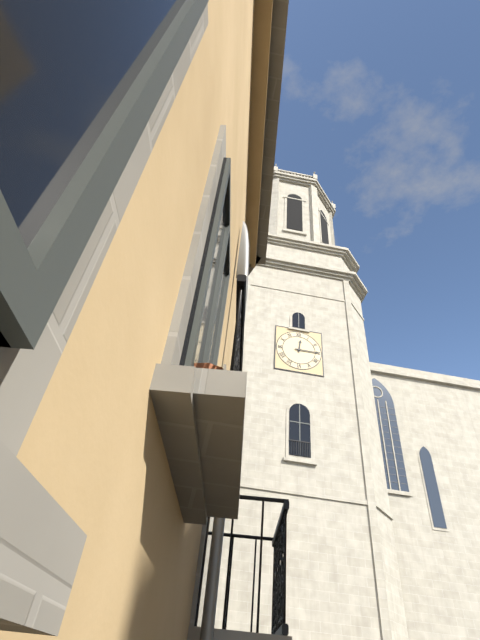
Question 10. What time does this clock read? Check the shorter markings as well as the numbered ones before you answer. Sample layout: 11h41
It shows 12h15
